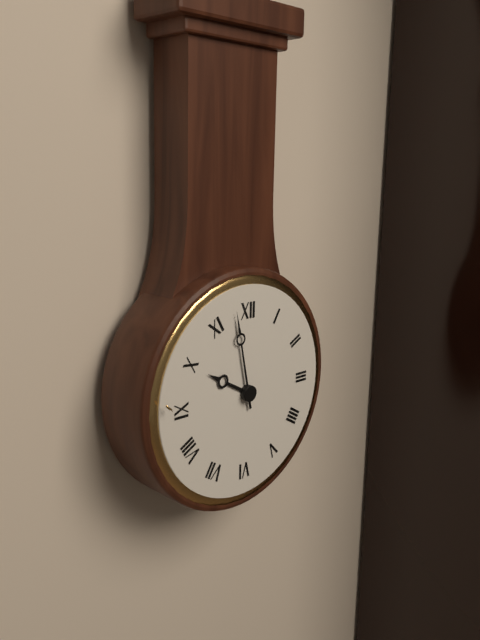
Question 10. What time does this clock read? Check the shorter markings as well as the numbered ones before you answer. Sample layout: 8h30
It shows 9h58
